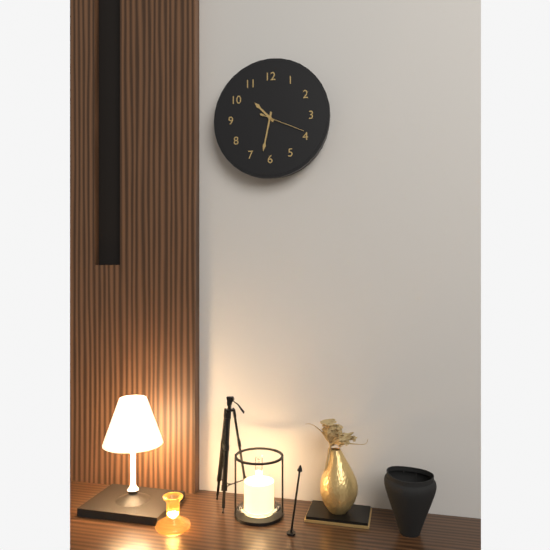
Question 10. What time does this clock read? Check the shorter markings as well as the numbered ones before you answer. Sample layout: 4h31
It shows 10h32
